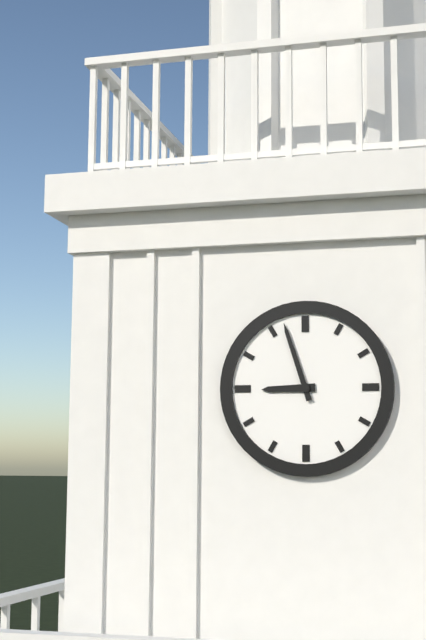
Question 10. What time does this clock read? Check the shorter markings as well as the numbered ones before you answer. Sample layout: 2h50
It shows 8h57
